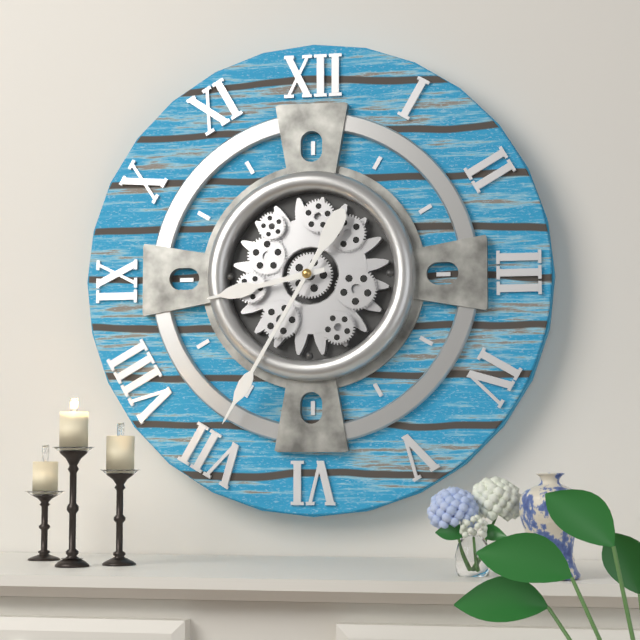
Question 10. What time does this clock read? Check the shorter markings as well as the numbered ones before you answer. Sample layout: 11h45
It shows 8h35
